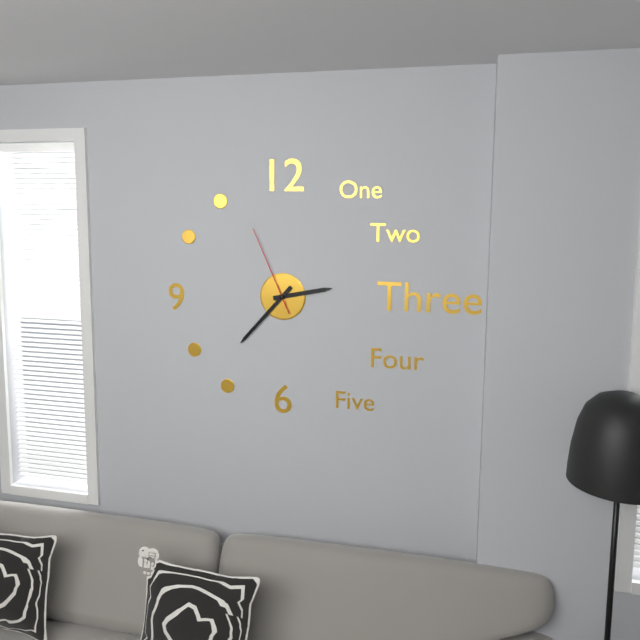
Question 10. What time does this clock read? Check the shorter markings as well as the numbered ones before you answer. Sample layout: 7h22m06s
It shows 2h37m56s
